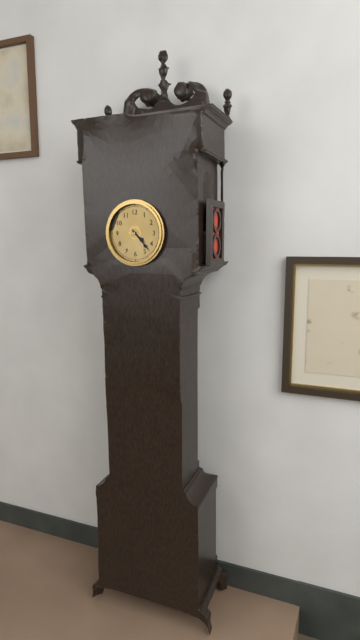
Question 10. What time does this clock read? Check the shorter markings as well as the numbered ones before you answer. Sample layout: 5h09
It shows 4h23
